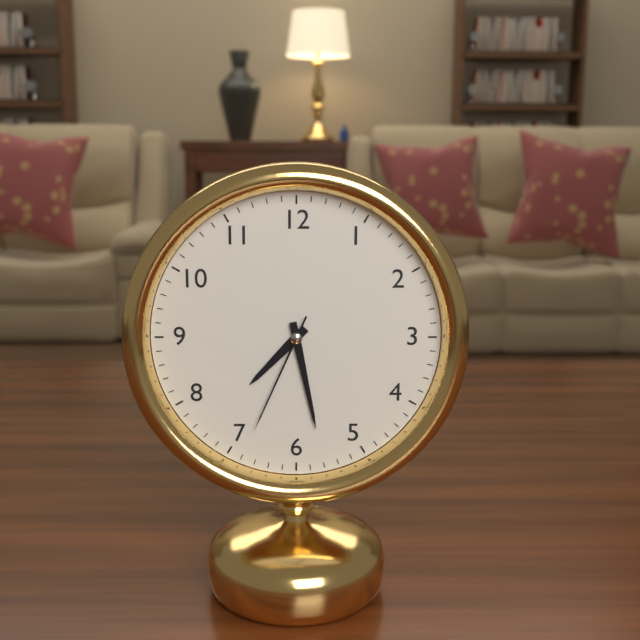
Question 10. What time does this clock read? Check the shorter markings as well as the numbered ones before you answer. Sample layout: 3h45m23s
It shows 7h28m34s
